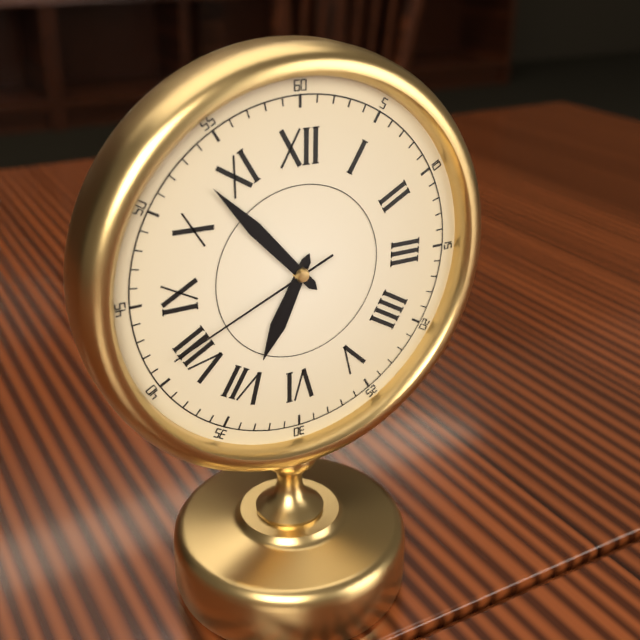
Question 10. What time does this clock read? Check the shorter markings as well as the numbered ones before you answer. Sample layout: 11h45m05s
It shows 6h53m41s
